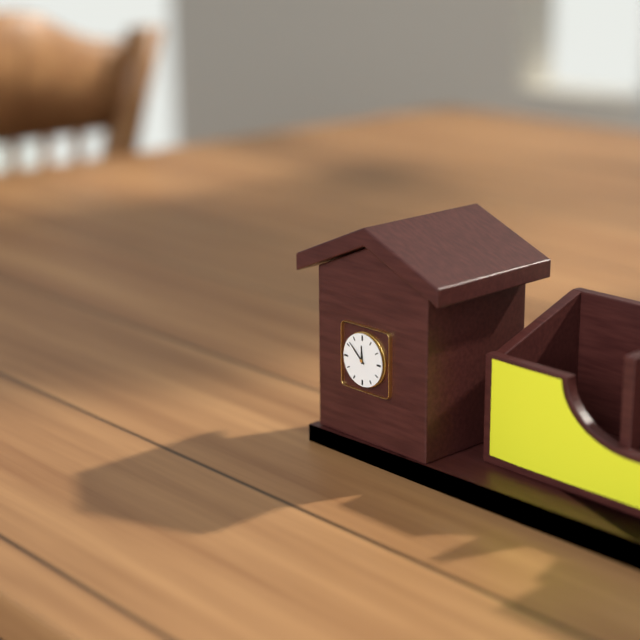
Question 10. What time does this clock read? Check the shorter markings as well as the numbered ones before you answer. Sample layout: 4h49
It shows 11h52
